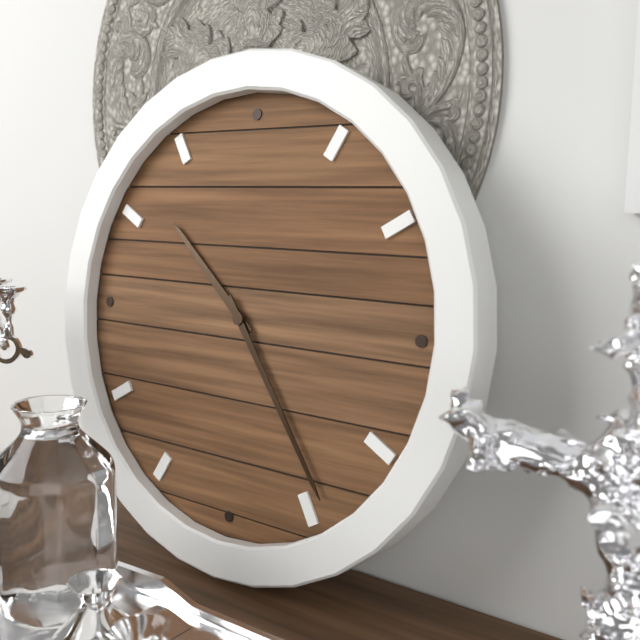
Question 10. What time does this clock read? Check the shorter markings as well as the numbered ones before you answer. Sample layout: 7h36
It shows 10h24
